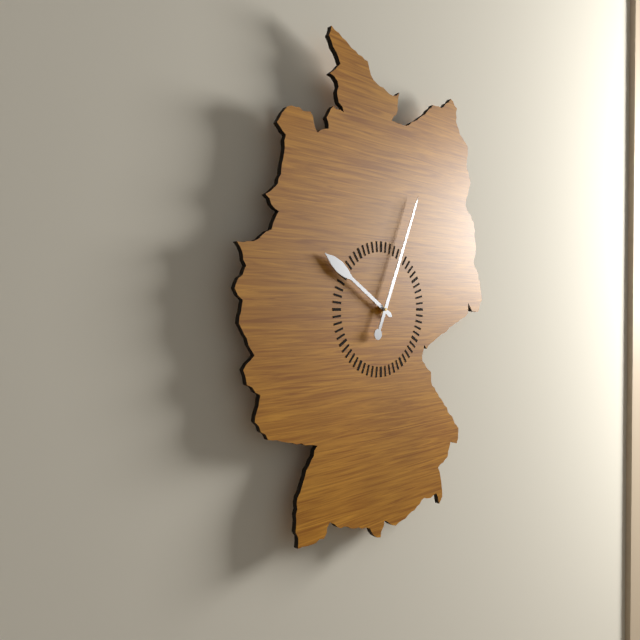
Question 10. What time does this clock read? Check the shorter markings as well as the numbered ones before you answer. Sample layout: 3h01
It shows 10h04
